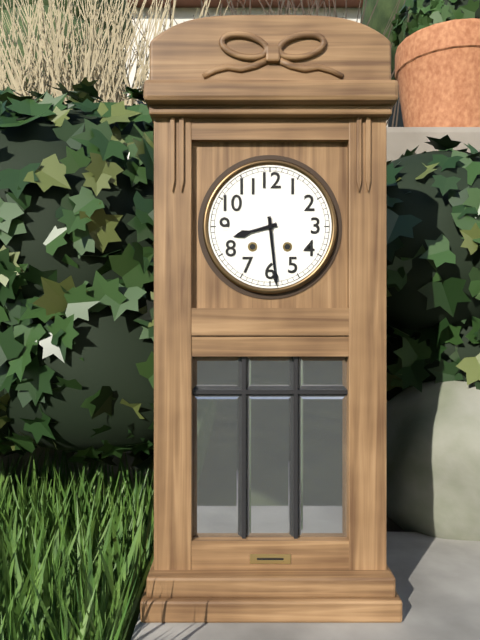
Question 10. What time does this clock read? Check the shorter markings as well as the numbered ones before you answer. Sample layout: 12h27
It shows 8h29
